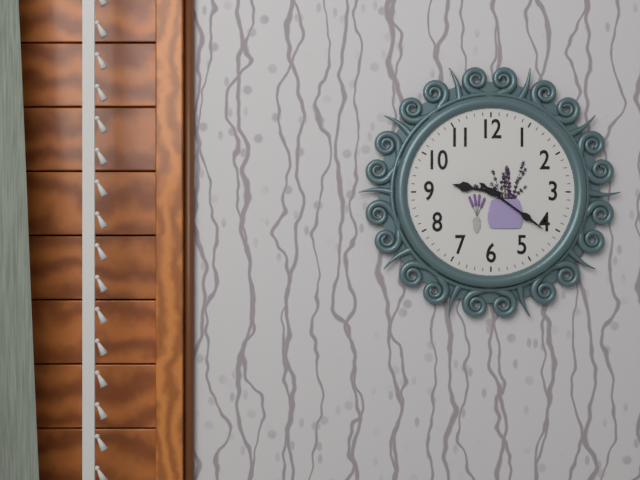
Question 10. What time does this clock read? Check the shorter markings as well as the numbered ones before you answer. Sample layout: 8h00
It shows 9h21
